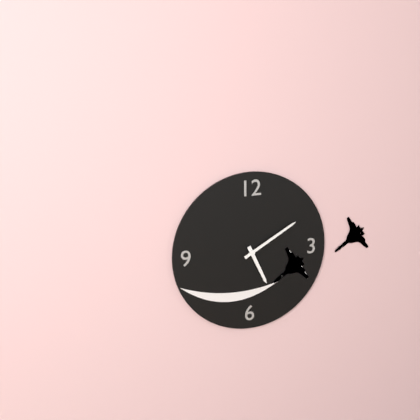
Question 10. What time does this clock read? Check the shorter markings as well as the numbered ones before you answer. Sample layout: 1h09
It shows 5h10
